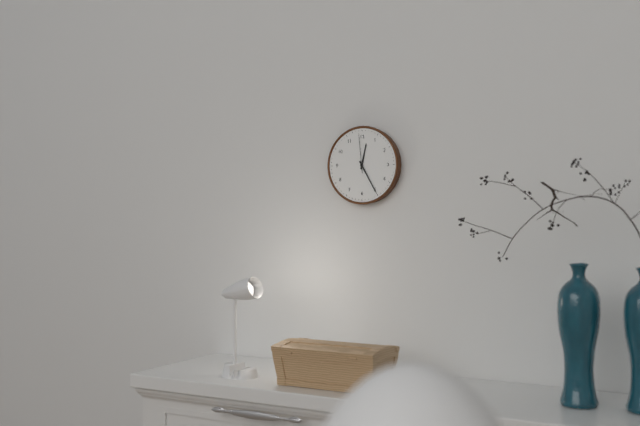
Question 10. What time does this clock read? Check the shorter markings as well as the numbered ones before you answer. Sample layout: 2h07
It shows 12h25
